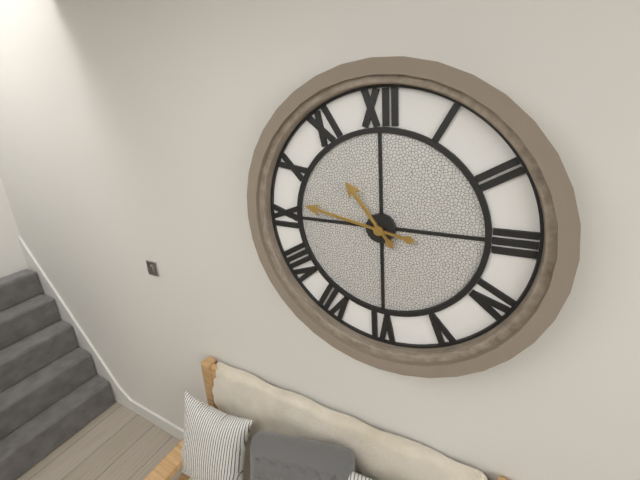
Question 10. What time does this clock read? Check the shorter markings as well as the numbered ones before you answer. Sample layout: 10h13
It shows 10h47
